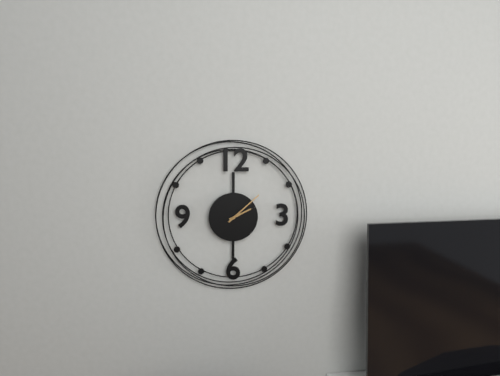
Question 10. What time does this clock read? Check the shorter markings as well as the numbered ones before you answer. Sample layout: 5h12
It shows 2h08
